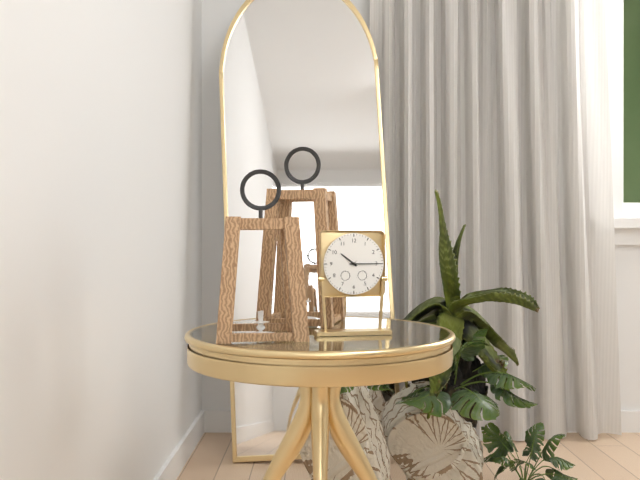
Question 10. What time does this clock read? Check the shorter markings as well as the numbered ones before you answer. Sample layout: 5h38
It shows 10h15
